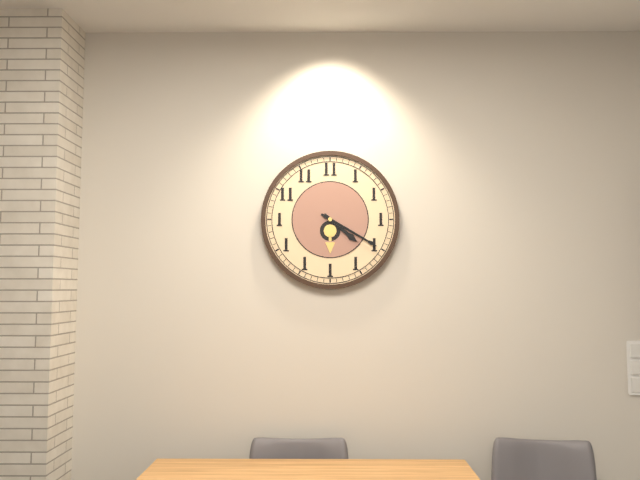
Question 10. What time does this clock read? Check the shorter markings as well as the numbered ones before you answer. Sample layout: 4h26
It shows 4h20
